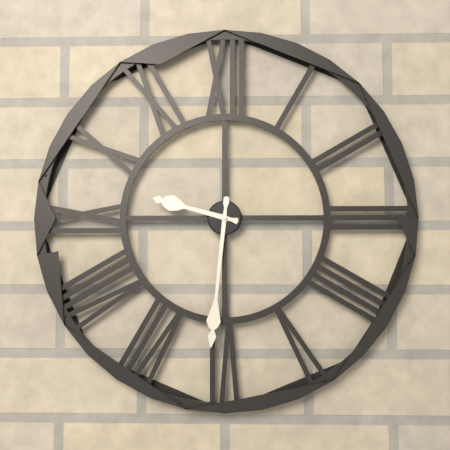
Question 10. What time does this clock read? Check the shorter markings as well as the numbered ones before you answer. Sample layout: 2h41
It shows 9h31
